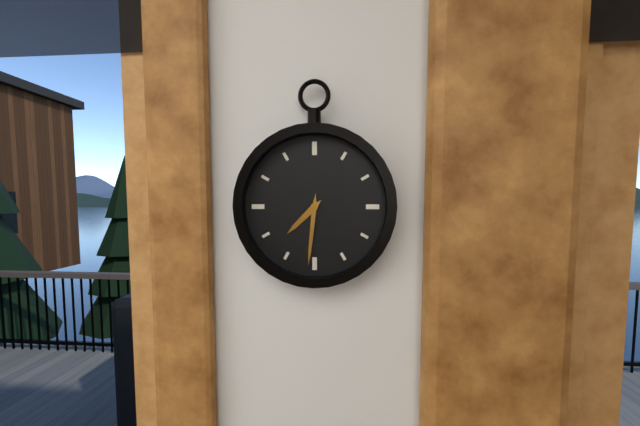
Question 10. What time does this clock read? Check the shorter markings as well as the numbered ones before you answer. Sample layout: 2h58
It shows 7h31
